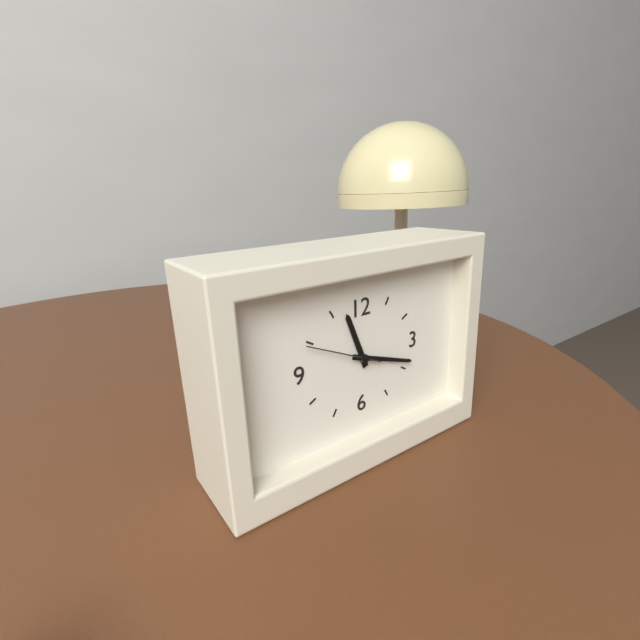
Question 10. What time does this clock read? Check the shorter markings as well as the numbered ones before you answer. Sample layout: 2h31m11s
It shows 11h18m49s
